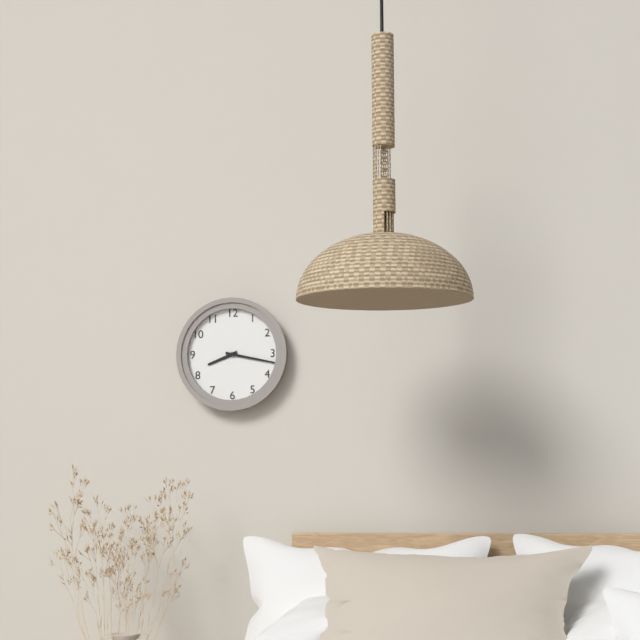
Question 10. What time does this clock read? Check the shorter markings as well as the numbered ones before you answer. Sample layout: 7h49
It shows 8h17
